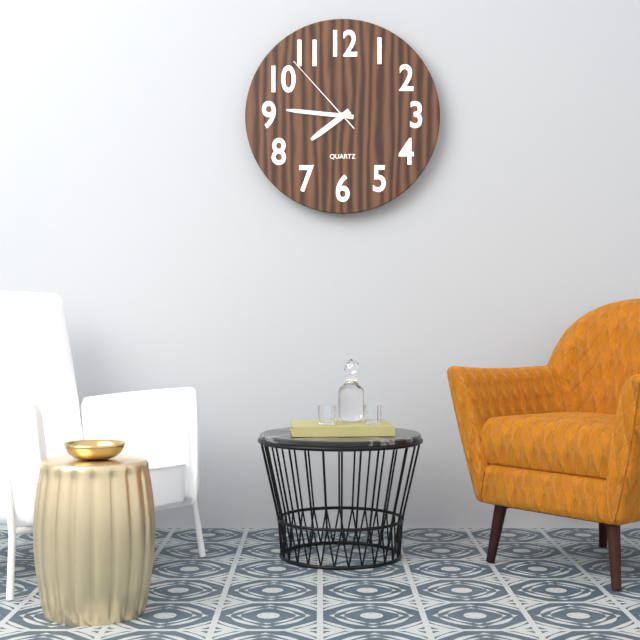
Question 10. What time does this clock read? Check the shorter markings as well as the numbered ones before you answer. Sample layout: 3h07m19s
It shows 7h46m53s
